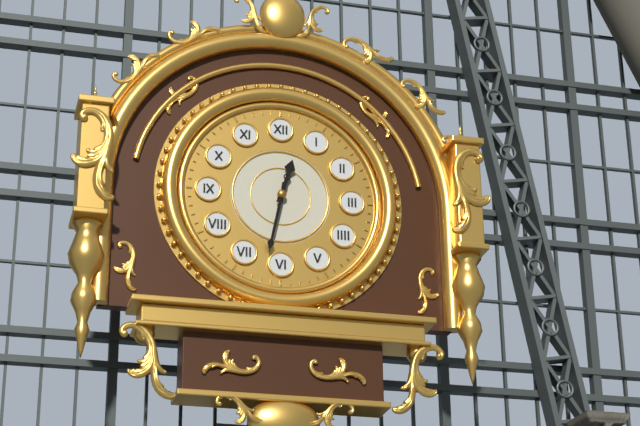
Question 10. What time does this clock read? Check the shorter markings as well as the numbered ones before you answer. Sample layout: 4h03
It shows 12h32
